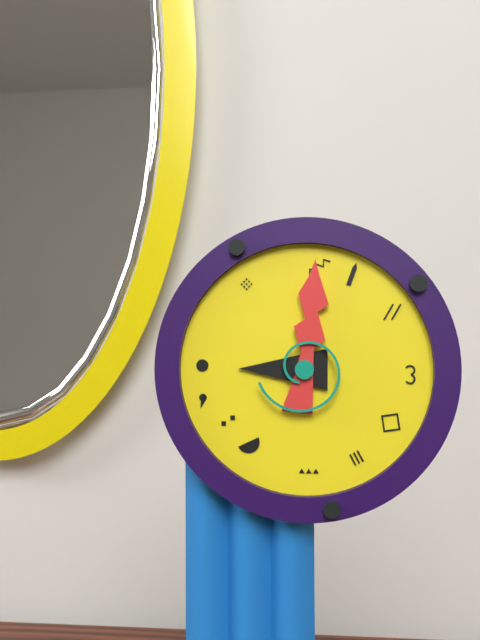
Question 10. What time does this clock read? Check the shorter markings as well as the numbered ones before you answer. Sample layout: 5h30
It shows 9h01
